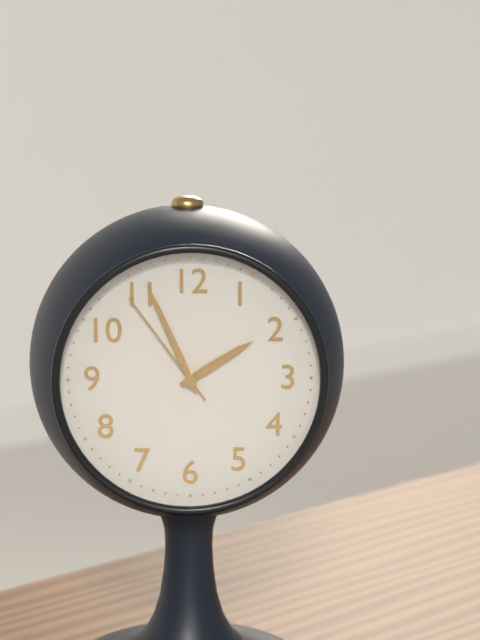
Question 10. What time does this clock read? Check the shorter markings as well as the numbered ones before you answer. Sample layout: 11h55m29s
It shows 1h56m54s
